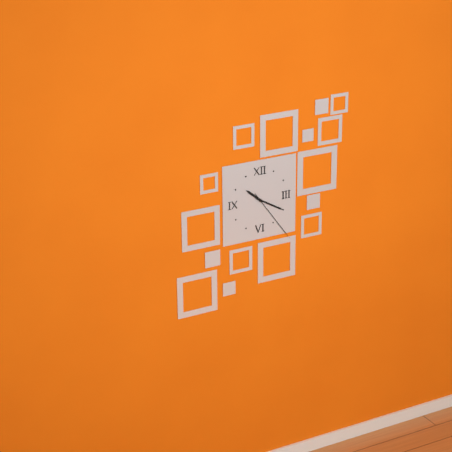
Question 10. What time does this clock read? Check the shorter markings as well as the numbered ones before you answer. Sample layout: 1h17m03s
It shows 10h20m24s
